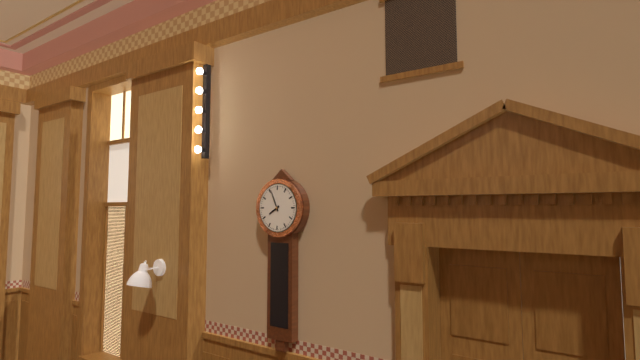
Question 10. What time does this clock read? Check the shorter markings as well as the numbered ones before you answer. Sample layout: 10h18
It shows 7h56
